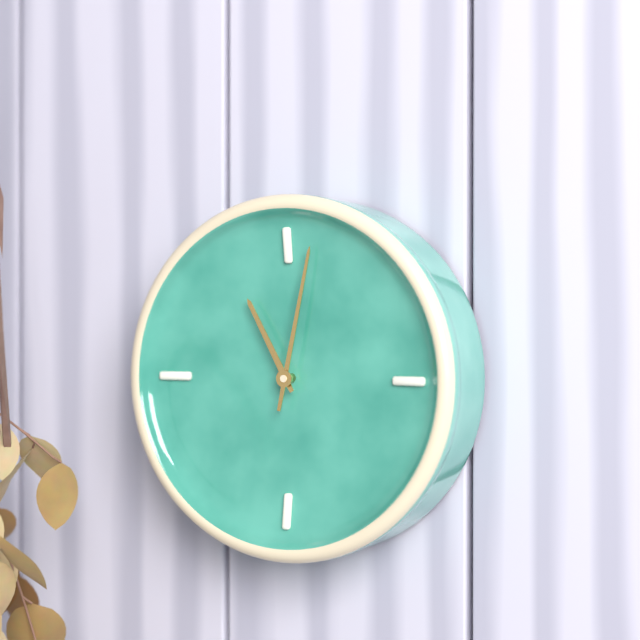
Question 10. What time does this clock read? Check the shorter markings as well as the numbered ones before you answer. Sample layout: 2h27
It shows 11h02
